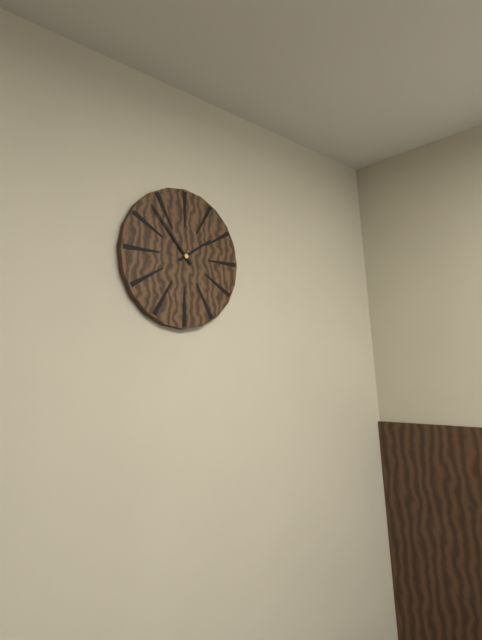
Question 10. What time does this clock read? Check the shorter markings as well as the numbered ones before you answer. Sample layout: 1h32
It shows 1h53
